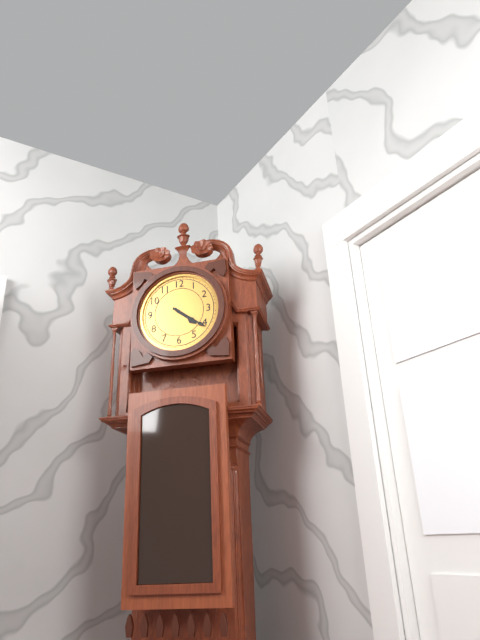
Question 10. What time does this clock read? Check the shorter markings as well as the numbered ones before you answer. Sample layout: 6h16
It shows 4h21
